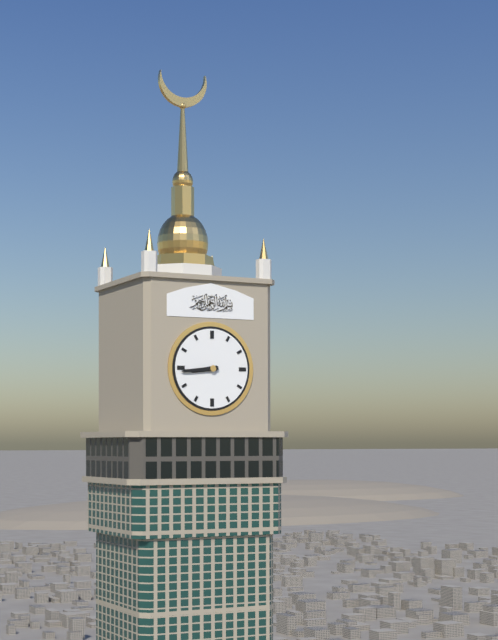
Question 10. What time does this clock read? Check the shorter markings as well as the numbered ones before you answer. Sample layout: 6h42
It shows 8h44
